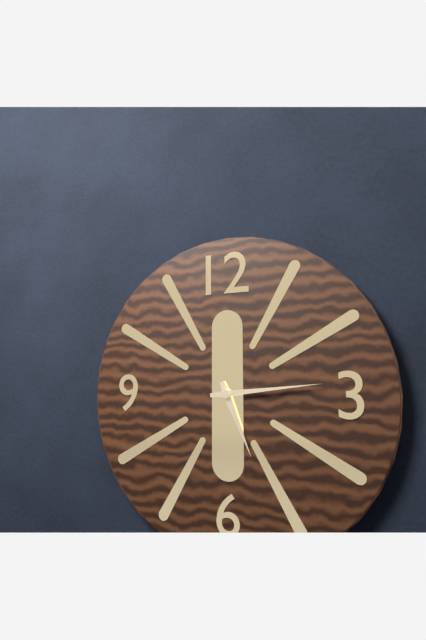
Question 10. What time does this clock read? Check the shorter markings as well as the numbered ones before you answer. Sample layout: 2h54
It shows 5h14
